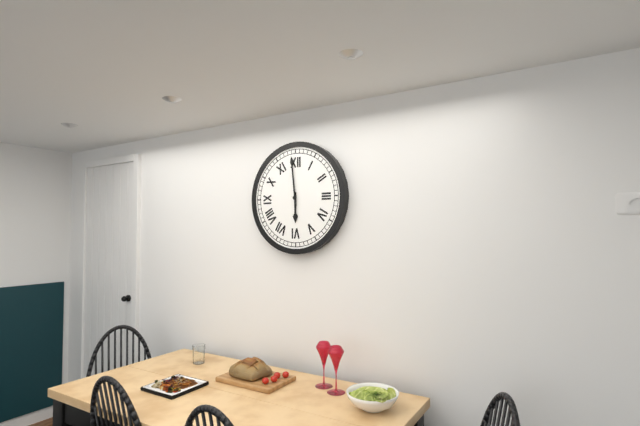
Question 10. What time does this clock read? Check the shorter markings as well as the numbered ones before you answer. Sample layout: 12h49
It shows 5h59
